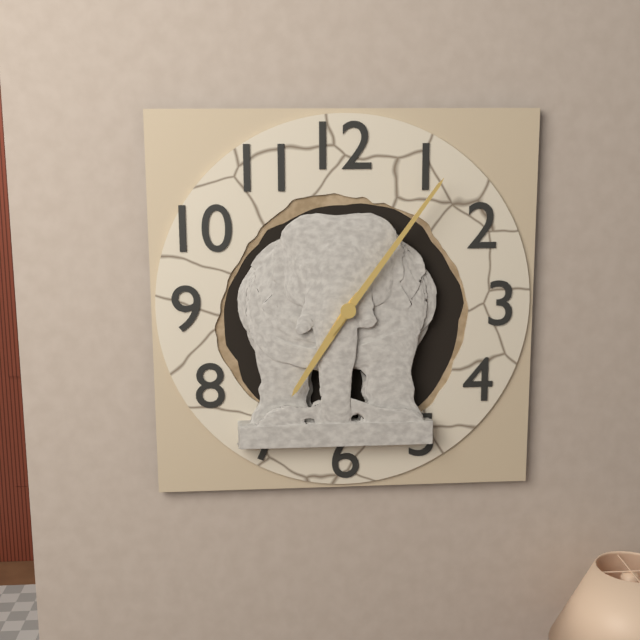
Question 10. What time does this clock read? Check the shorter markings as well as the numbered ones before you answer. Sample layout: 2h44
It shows 7h06
